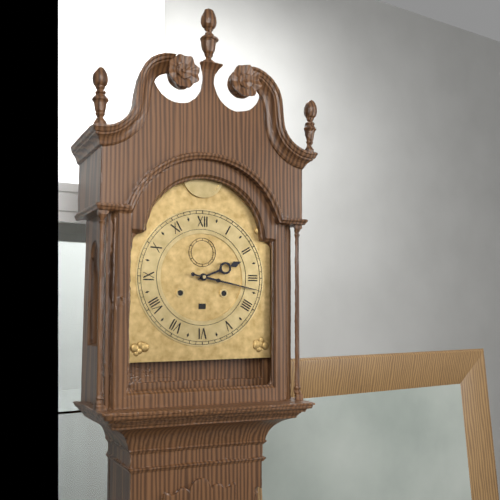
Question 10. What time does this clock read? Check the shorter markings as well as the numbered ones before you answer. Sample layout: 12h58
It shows 2h17
